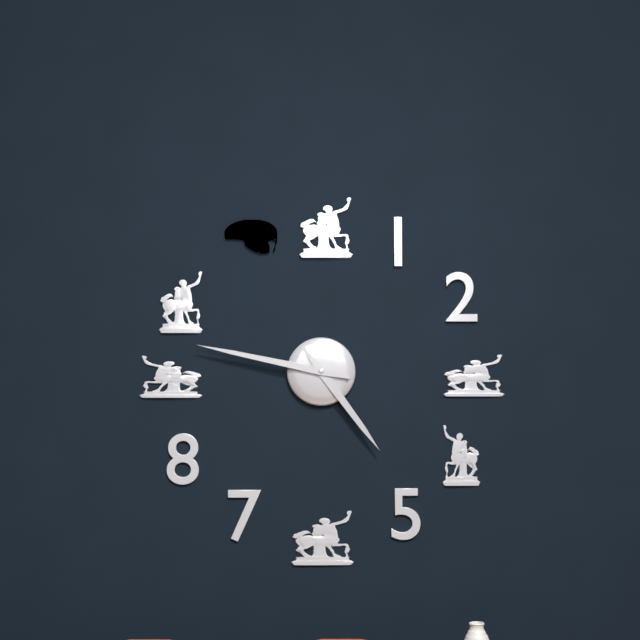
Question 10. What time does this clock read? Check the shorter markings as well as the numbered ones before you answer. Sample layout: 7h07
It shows 4h47
